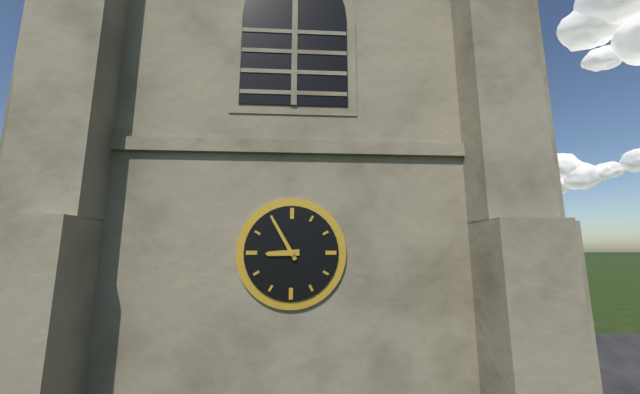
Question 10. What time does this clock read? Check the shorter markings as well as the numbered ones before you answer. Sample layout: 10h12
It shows 8h55
